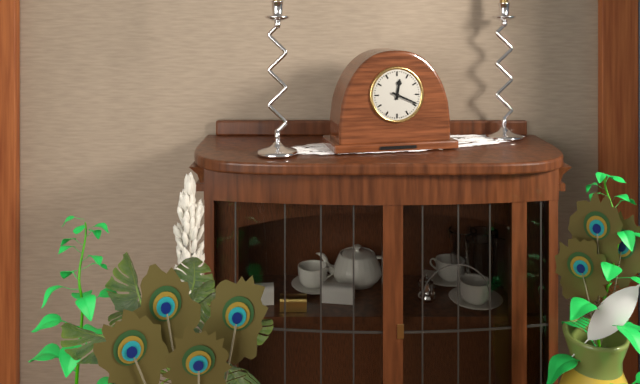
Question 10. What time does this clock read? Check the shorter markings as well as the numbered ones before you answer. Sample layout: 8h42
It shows 12h19
